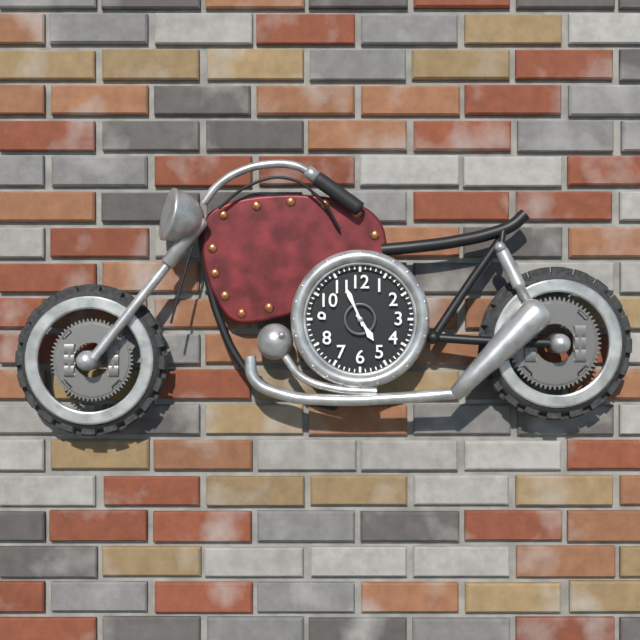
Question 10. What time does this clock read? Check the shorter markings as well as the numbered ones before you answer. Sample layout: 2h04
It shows 4h56
